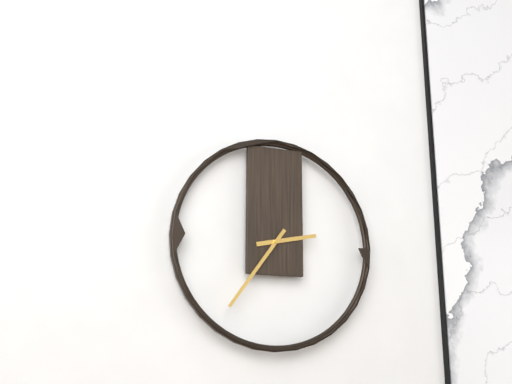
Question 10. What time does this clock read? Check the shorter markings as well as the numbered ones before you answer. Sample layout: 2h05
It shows 2h36
